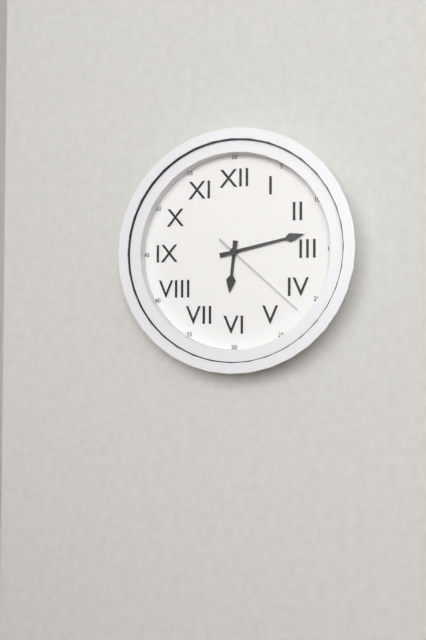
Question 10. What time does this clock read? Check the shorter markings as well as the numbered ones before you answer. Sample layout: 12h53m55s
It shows 6h13m22s
